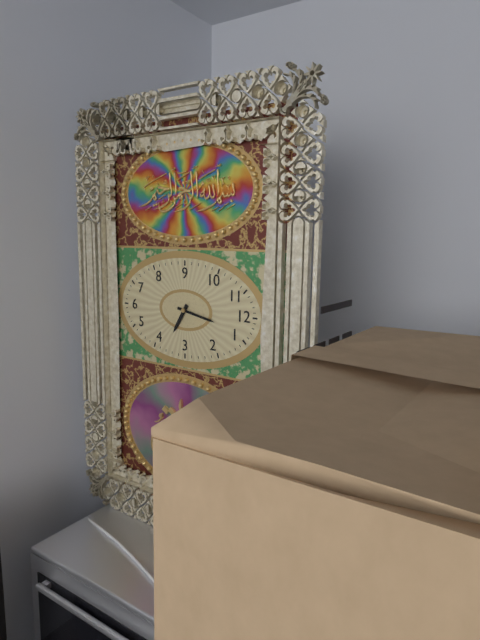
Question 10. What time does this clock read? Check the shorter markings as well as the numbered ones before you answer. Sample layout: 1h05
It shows 4h02
